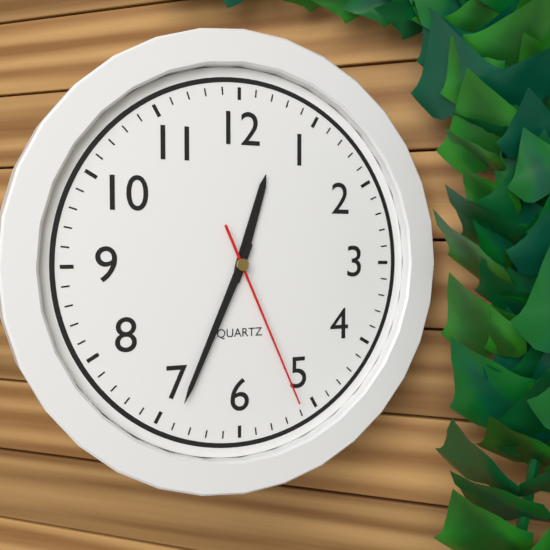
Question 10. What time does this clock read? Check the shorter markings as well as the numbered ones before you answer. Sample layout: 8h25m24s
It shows 12h34m26s
